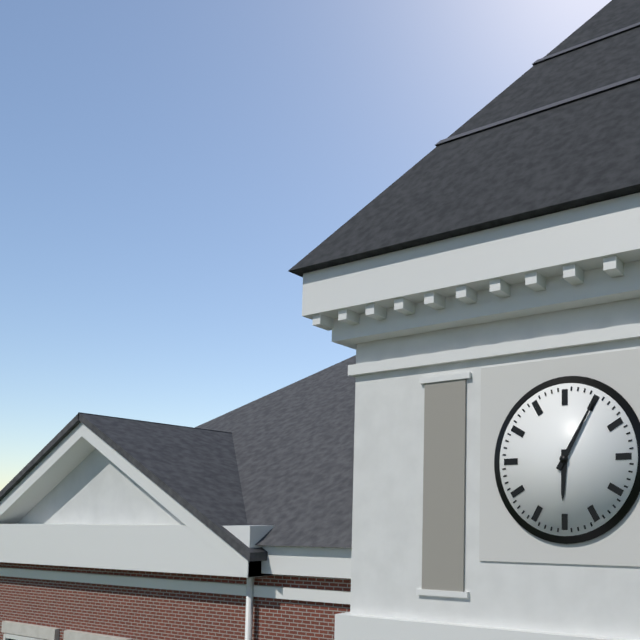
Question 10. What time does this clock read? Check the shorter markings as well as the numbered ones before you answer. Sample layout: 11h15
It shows 6h05
